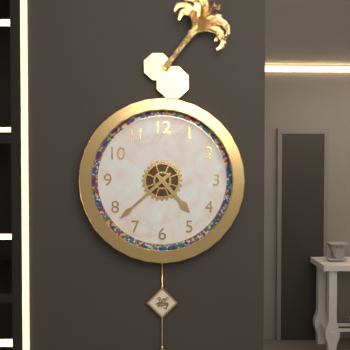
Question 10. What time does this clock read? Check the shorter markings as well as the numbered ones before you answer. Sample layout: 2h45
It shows 4h38
